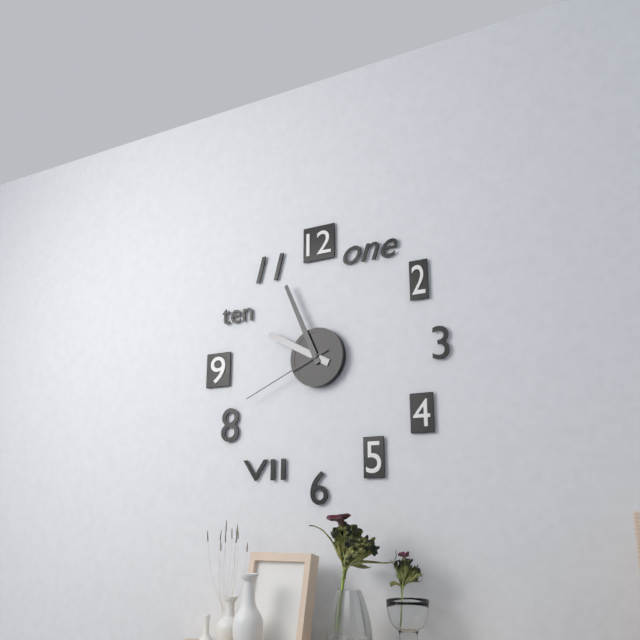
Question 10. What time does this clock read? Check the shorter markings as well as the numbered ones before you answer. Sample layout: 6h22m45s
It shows 9h56m41s
